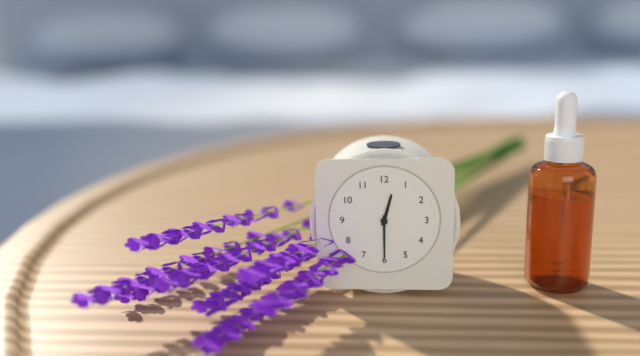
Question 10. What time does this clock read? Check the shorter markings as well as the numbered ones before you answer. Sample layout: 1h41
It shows 12h30
